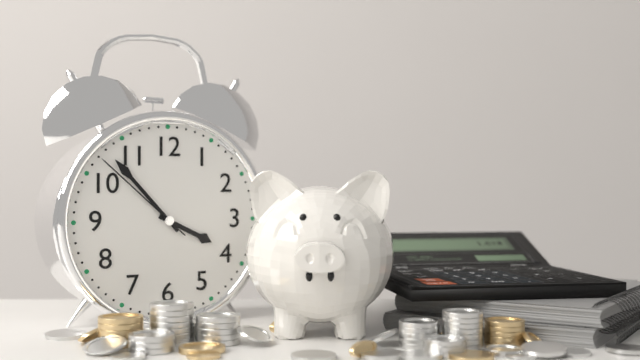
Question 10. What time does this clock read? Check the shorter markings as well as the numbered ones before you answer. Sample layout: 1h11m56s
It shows 3h53m52s
